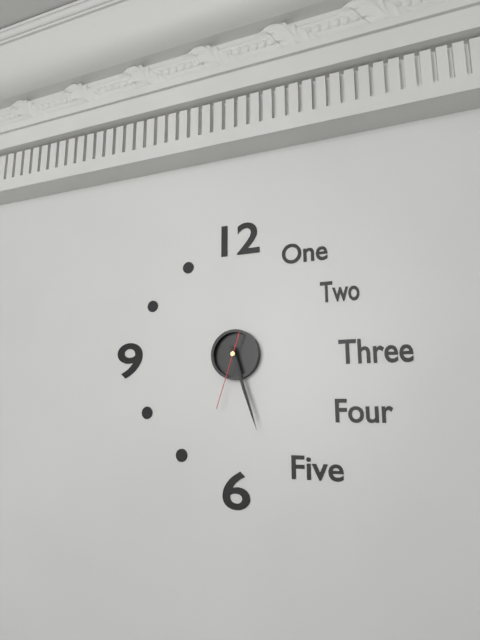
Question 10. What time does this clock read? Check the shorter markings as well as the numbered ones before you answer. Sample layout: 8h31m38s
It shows 5h27m33s
